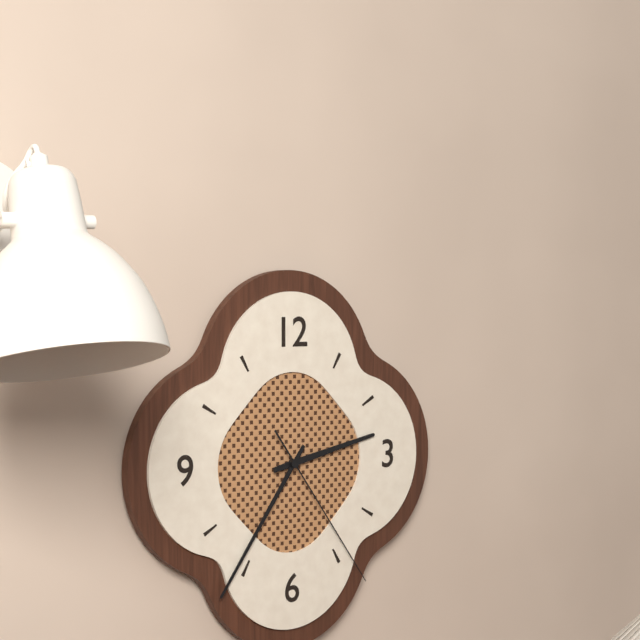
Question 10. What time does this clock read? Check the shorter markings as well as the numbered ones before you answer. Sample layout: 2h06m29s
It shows 2h36m24s
